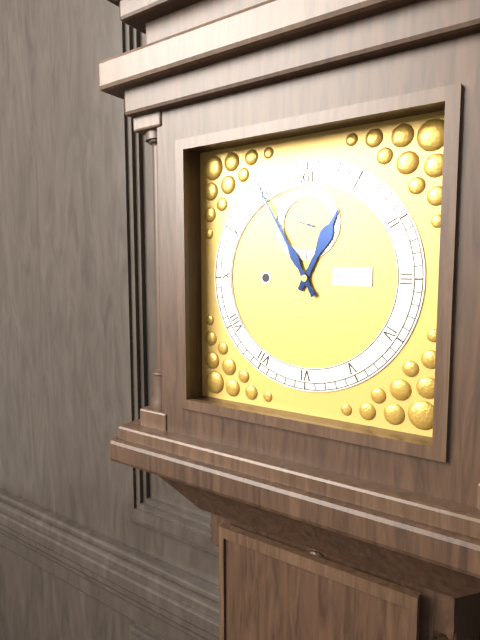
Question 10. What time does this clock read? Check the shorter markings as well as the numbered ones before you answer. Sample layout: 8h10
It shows 12h55
